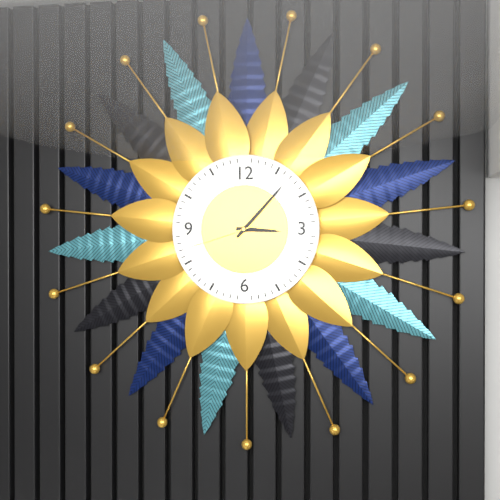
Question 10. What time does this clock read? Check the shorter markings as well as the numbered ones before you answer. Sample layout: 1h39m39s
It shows 3h07m42s
